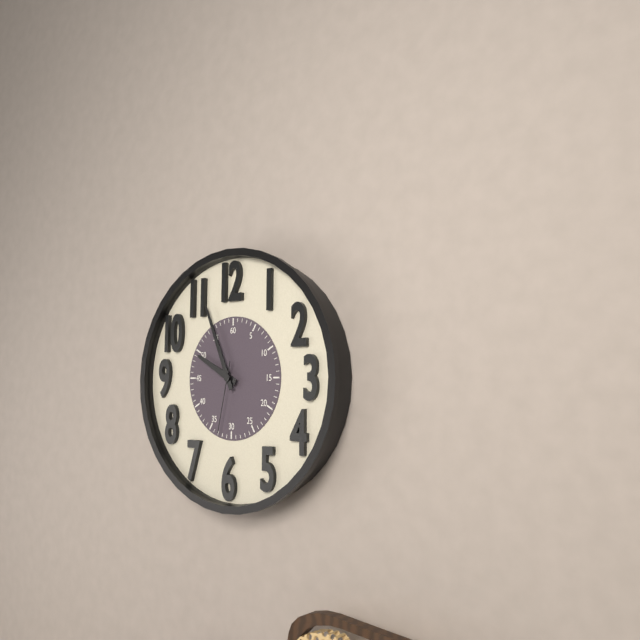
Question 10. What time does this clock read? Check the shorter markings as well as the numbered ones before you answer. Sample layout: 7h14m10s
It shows 9h56m32s
